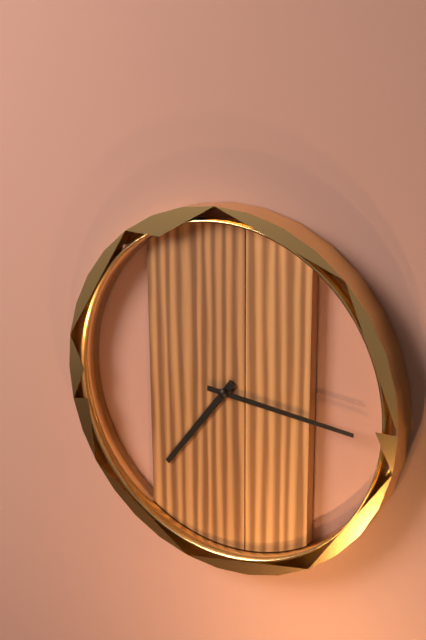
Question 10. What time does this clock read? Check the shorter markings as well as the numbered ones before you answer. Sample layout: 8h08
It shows 7h16
